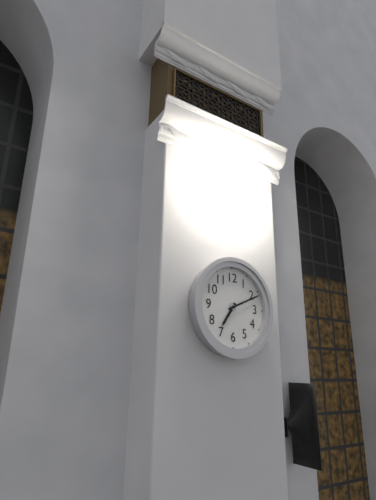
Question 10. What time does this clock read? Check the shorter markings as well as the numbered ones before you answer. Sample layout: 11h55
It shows 7h11
